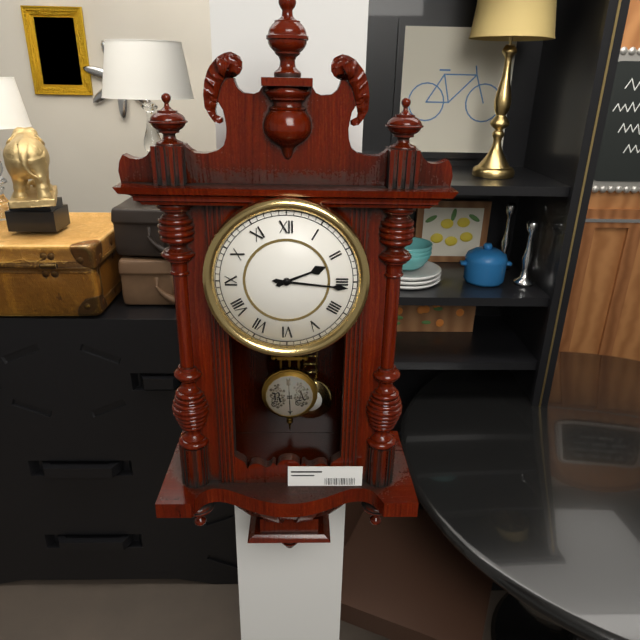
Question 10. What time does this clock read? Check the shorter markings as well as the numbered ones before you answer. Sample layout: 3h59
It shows 2h16
